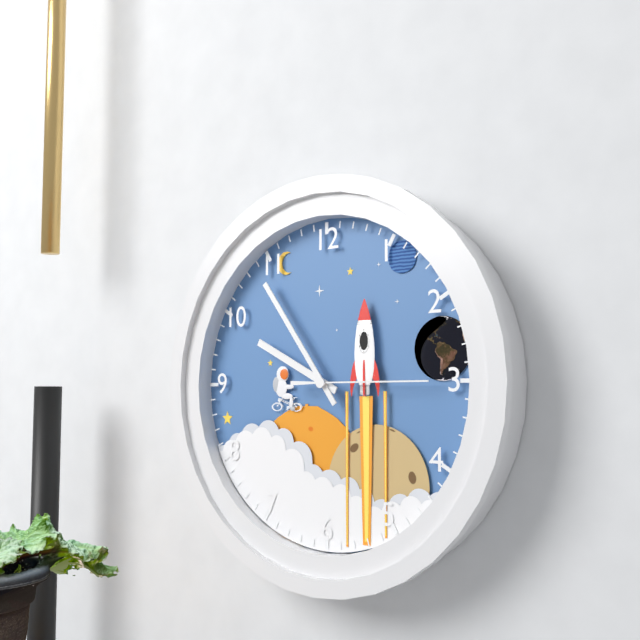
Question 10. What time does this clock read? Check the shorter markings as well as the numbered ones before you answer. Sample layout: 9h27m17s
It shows 9h54m15s
